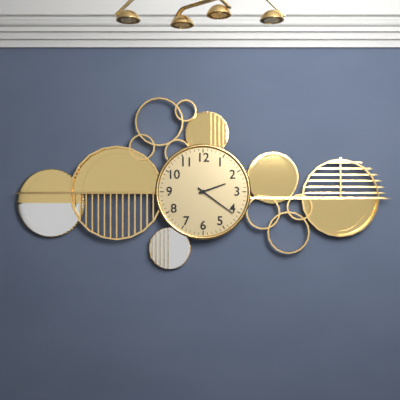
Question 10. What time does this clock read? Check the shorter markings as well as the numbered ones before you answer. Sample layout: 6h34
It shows 2h21
